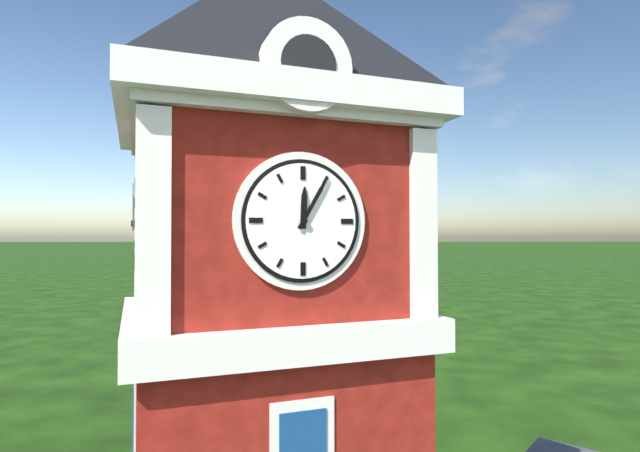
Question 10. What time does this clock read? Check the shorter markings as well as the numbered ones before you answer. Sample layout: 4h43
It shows 12h05
